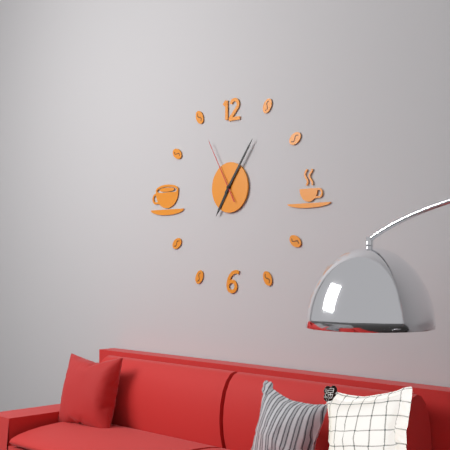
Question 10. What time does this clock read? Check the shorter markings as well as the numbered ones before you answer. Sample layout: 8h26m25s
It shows 7h06m55s
